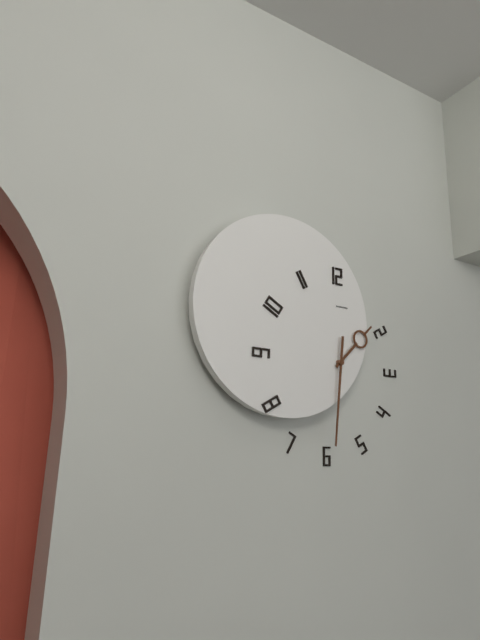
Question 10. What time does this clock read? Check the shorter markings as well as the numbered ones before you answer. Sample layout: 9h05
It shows 1h31
